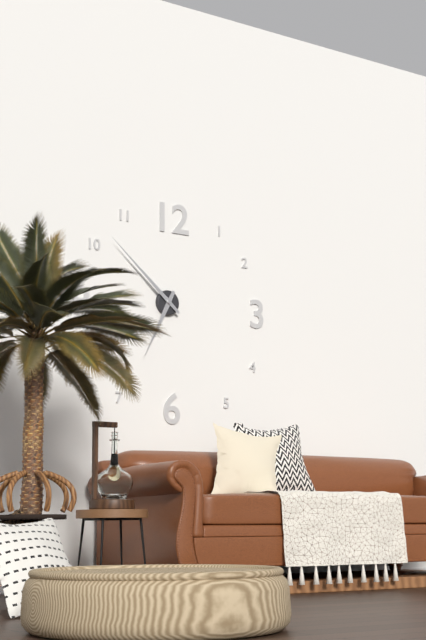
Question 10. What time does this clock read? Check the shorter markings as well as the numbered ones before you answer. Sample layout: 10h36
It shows 6h52
